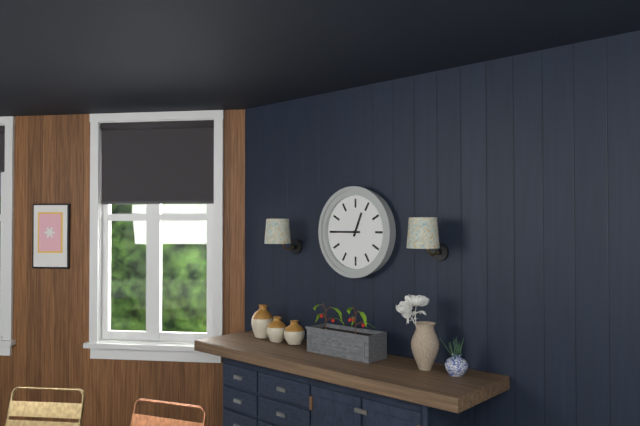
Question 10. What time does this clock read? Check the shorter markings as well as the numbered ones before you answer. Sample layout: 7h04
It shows 12h45
